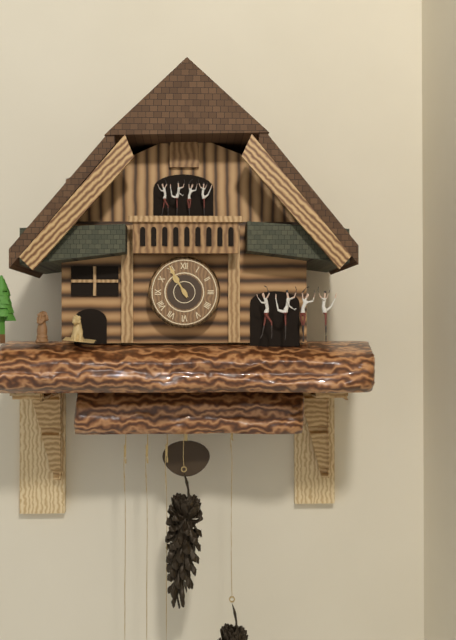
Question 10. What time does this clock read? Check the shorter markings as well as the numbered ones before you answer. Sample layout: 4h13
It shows 10h55
